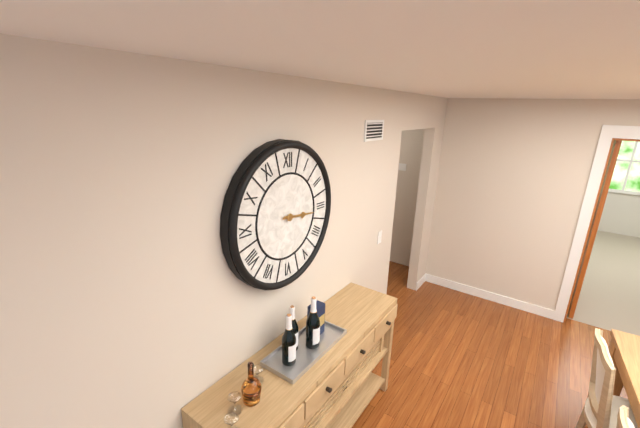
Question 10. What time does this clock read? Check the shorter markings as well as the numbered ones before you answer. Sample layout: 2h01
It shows 3h16
